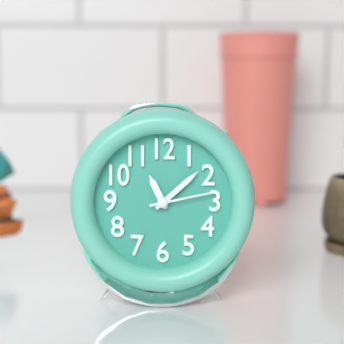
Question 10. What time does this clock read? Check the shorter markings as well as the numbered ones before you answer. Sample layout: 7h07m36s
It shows 11h08m13s
